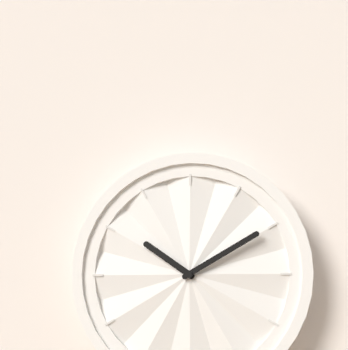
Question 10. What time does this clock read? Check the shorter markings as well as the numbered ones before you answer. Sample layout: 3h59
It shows 10h10
